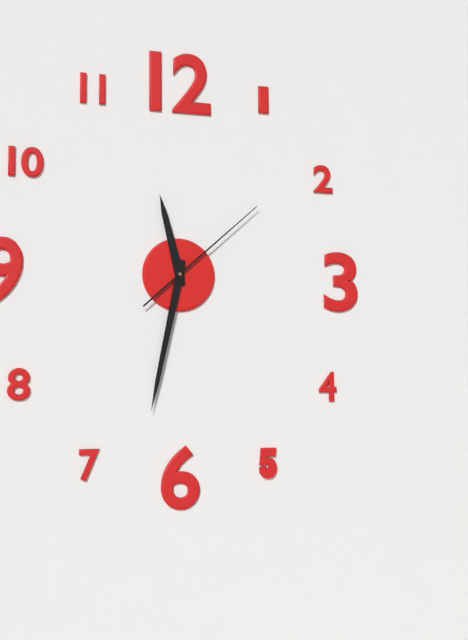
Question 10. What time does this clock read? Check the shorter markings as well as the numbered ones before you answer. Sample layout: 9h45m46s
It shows 11h32m08s
